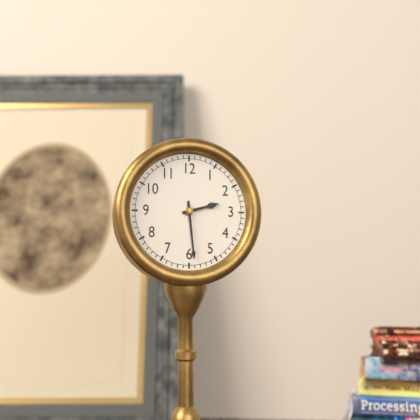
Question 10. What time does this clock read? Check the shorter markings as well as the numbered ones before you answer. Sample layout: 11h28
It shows 2h29
